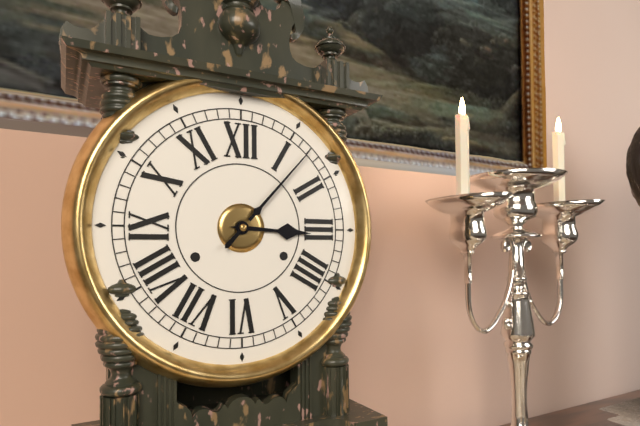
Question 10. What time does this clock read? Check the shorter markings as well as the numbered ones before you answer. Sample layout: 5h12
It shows 3h07
